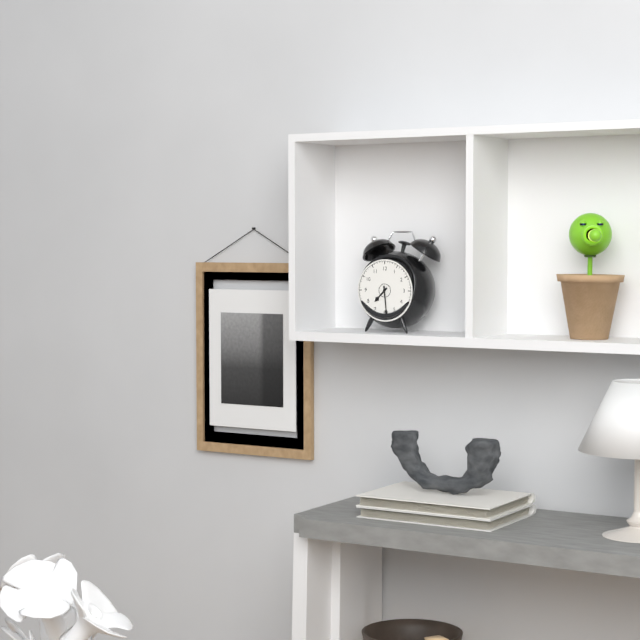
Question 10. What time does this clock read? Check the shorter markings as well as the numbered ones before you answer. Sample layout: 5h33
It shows 7h29
